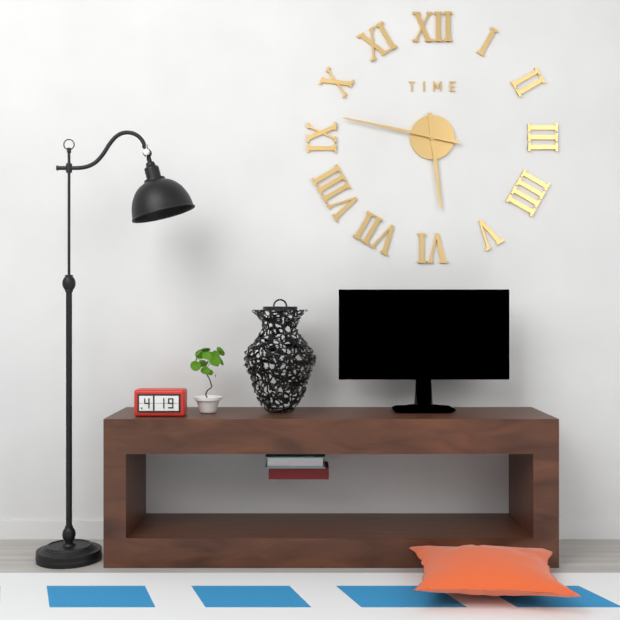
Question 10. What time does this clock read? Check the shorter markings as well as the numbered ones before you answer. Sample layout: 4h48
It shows 5h47
